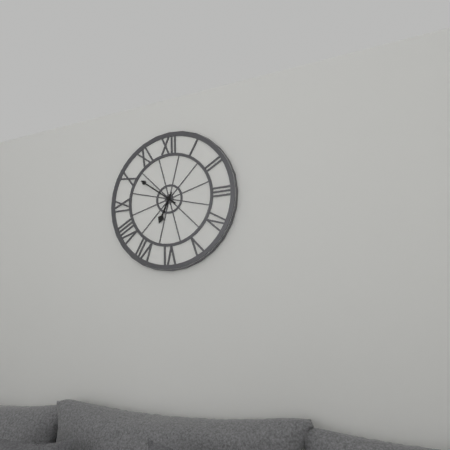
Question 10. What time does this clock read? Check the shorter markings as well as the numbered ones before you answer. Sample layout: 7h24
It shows 6h51
